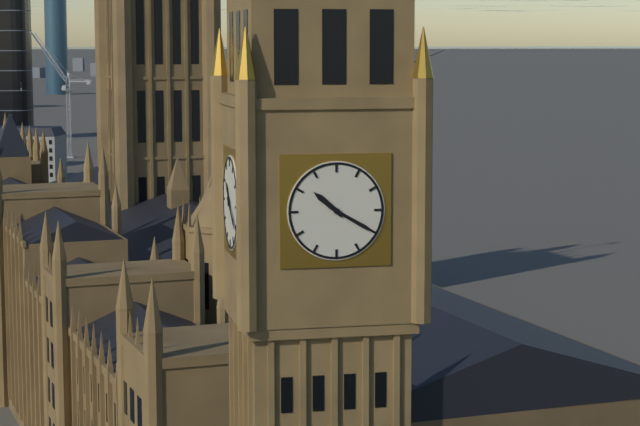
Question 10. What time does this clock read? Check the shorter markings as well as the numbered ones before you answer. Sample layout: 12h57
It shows 10h20
